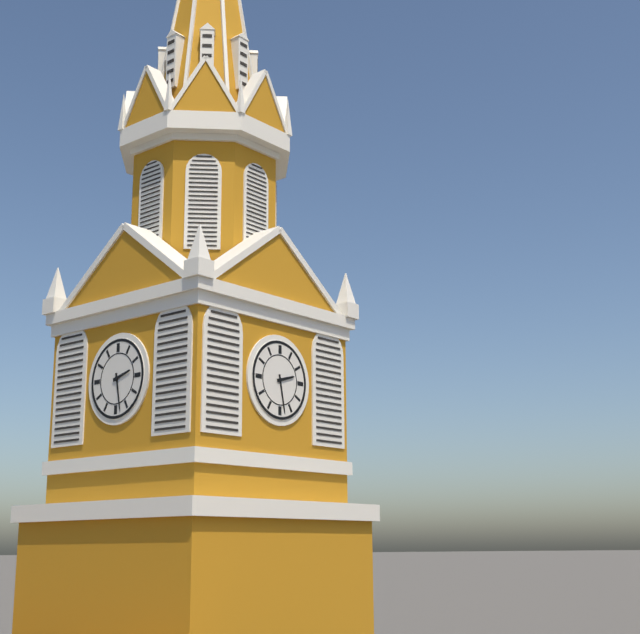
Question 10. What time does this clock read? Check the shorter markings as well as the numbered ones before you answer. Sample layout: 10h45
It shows 2h28
